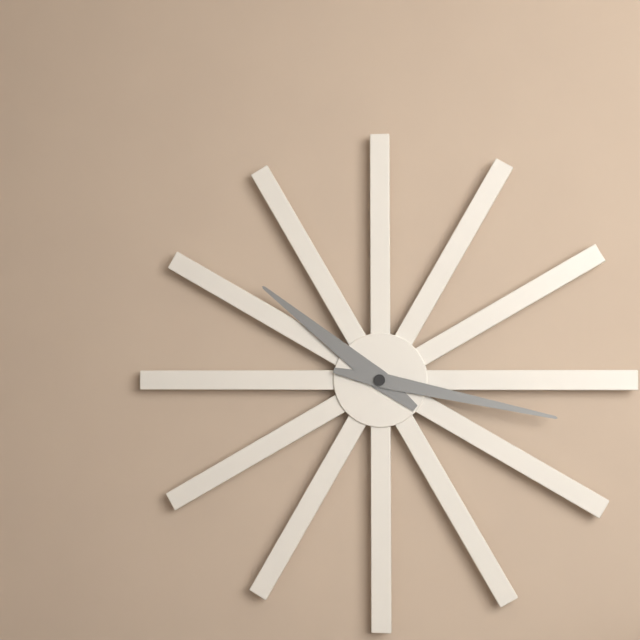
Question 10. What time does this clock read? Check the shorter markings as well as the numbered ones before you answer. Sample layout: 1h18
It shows 10h17
